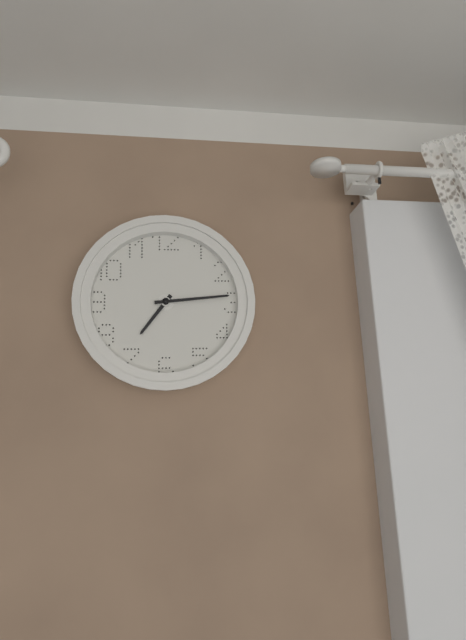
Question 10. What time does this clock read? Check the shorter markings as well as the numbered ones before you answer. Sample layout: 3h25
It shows 7h14
